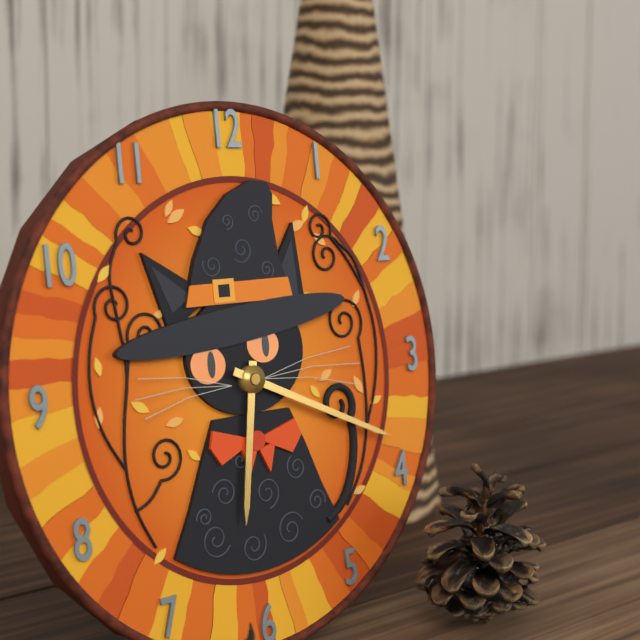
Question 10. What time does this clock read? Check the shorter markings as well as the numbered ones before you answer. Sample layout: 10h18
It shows 6h19
